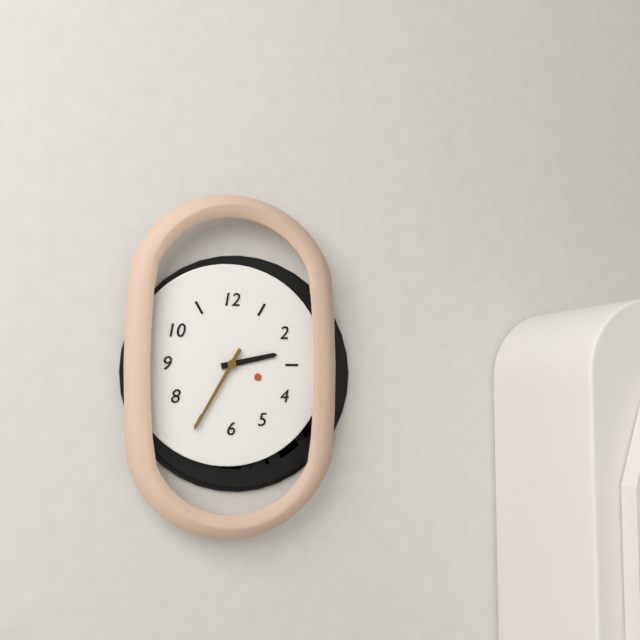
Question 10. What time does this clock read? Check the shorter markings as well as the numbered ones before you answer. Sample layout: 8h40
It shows 2h35
